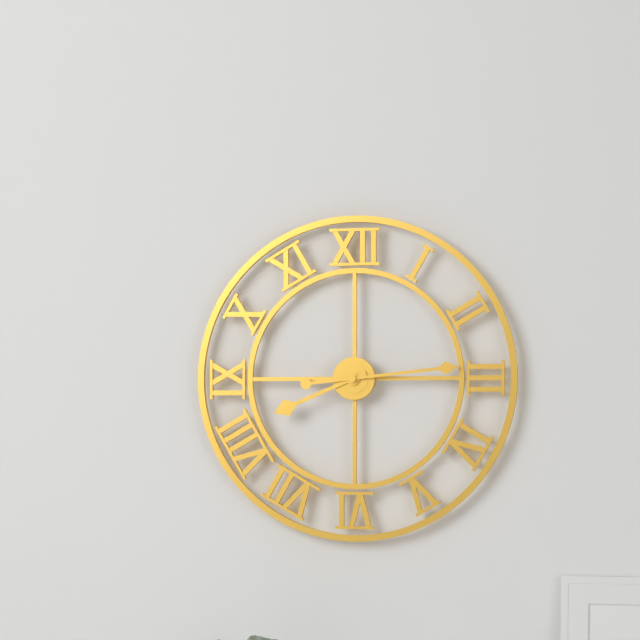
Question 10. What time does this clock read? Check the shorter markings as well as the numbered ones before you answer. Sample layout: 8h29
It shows 8h14
